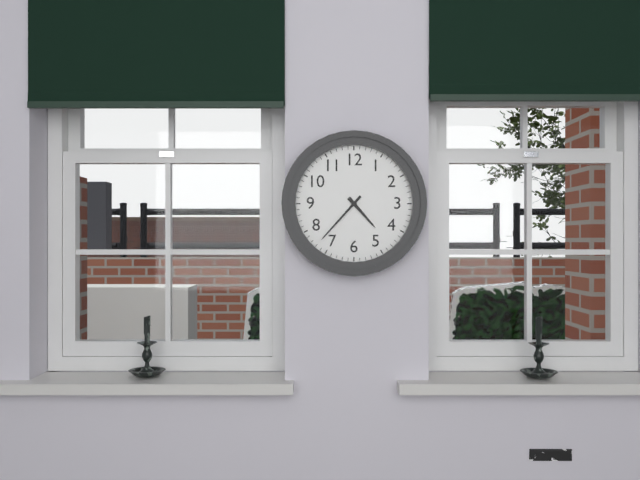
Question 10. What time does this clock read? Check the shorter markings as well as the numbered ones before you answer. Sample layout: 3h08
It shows 4h37
